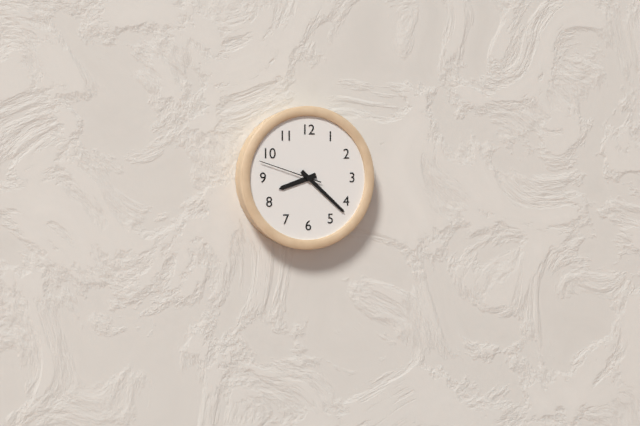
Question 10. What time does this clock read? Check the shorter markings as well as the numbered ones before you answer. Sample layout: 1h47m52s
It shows 8h22m48s
